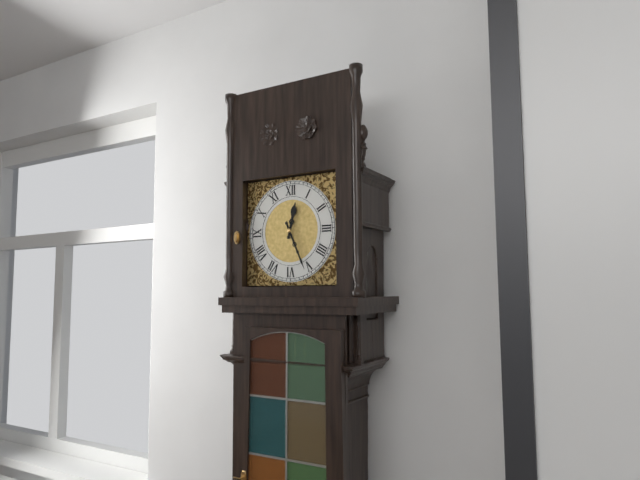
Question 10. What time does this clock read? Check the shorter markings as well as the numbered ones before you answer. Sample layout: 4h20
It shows 12h26
